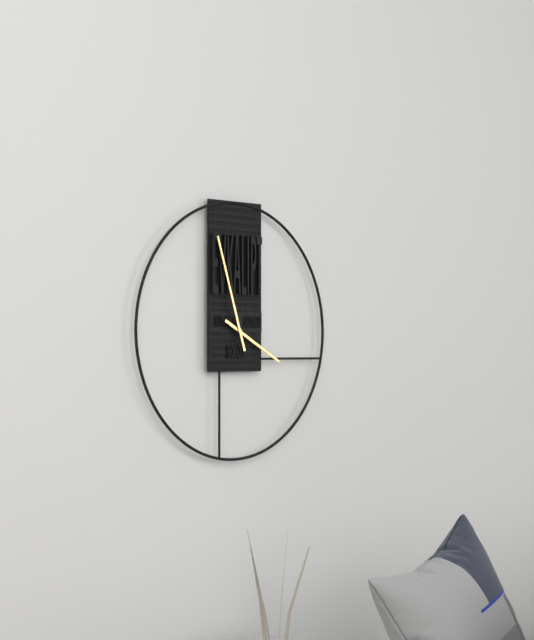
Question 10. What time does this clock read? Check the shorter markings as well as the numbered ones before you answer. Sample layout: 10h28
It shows 3h57
